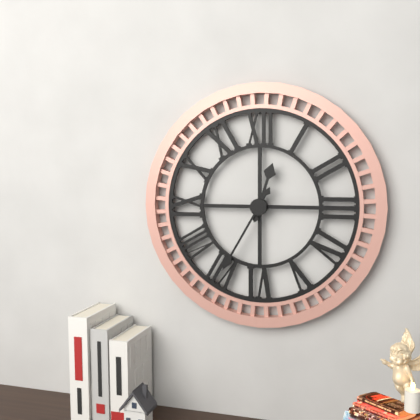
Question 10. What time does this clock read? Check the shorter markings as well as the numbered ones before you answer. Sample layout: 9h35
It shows 12h35
